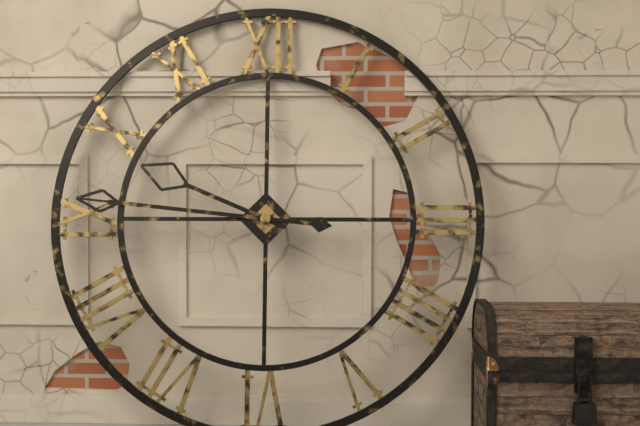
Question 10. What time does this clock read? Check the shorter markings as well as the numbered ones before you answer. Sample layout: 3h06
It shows 9h46
